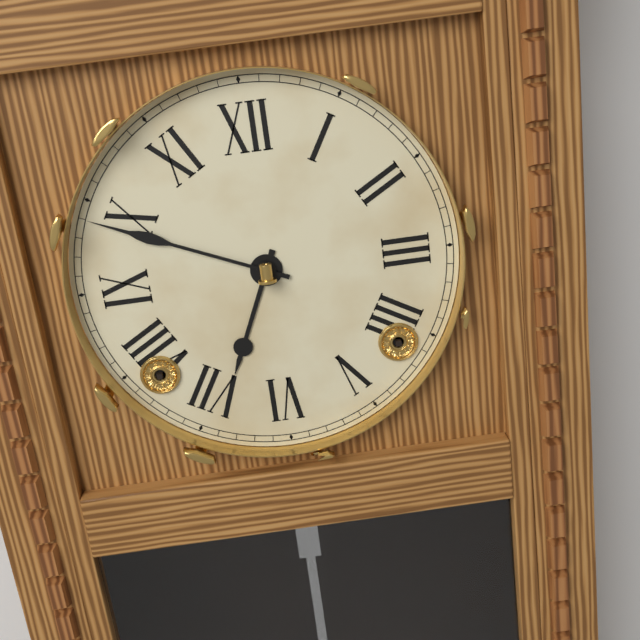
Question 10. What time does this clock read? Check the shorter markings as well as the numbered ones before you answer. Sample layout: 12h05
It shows 6h49
